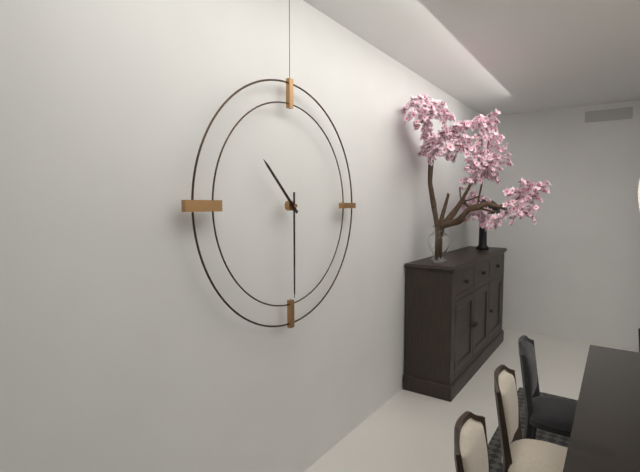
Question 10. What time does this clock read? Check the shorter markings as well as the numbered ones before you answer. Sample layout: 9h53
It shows 10h30
